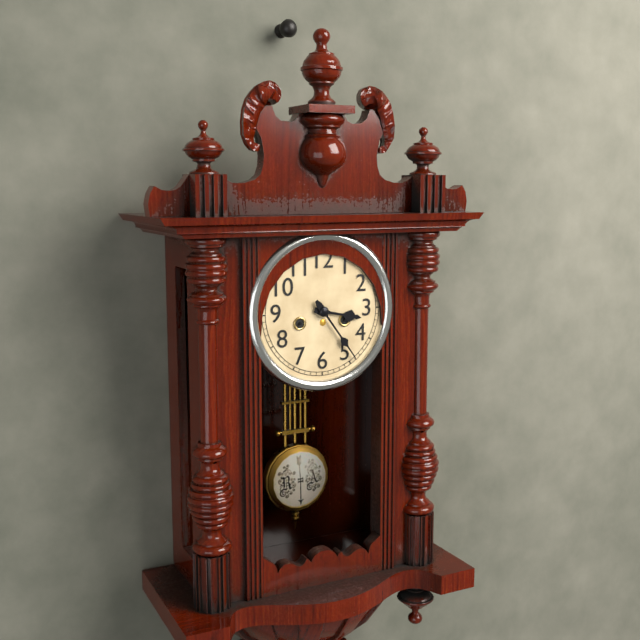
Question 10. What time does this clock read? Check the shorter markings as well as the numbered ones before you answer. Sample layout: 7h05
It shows 3h24
